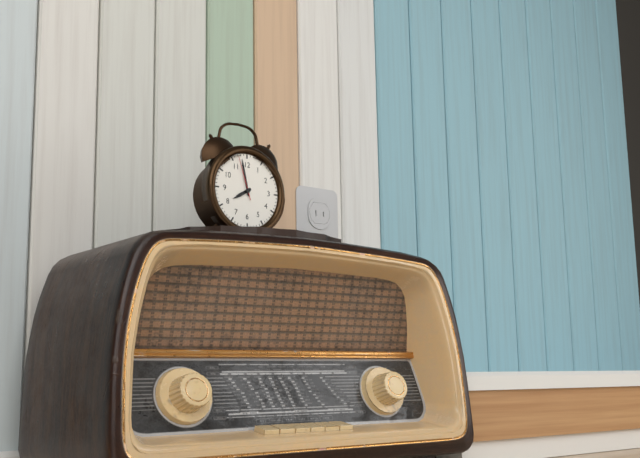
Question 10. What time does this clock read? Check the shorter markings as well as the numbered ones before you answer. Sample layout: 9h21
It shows 7h58
